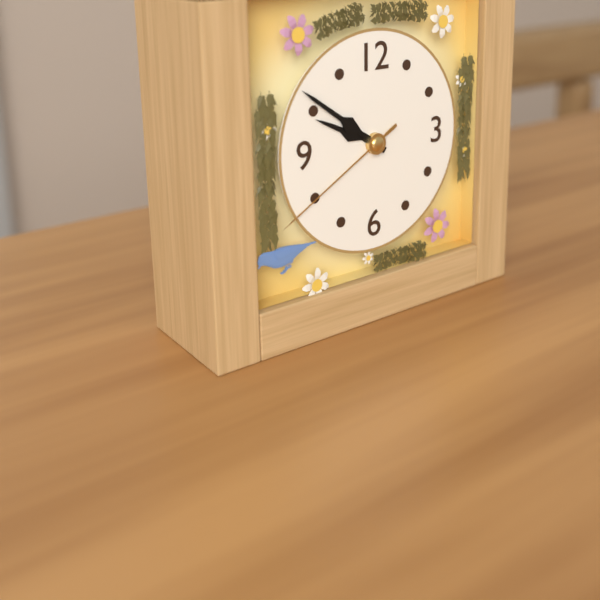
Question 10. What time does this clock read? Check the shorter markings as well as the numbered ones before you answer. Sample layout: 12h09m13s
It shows 9h51m40s
